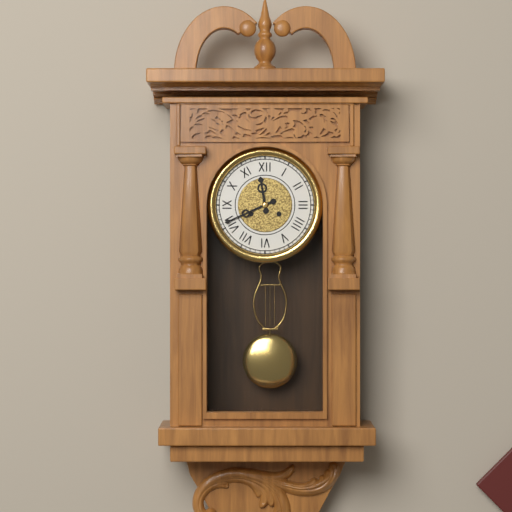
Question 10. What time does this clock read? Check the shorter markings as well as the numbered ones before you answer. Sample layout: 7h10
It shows 11h41
